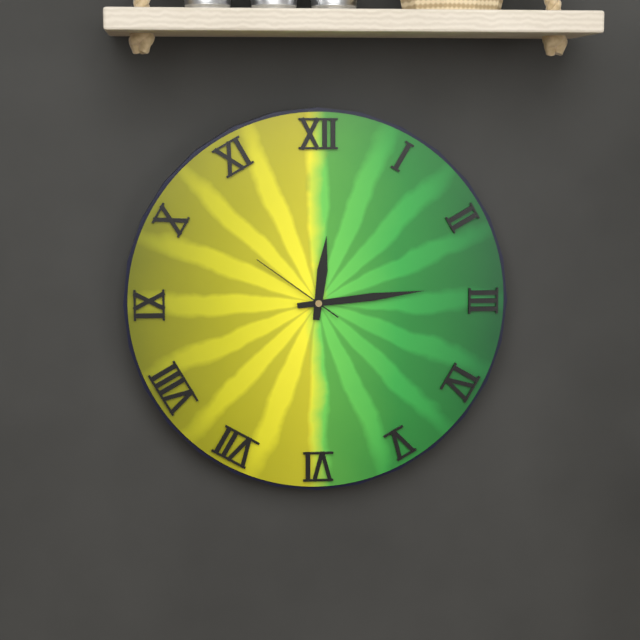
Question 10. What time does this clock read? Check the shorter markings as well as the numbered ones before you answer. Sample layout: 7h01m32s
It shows 12h14m51s
